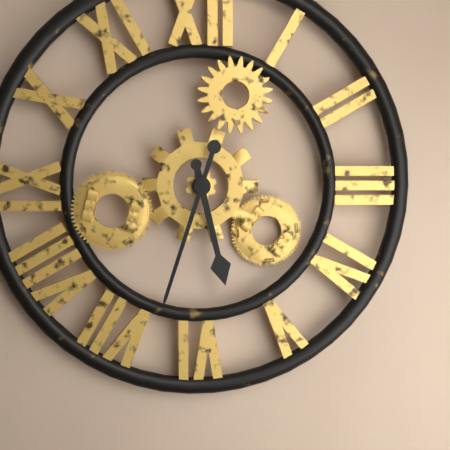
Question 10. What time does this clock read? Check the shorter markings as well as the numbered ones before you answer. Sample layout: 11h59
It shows 5h33
